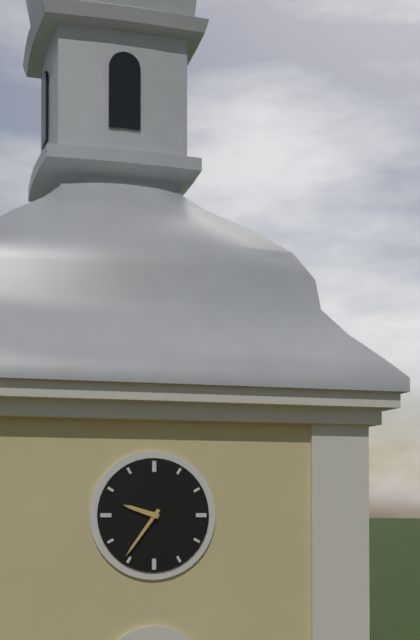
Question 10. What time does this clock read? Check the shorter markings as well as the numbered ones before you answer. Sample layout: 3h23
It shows 9h36
